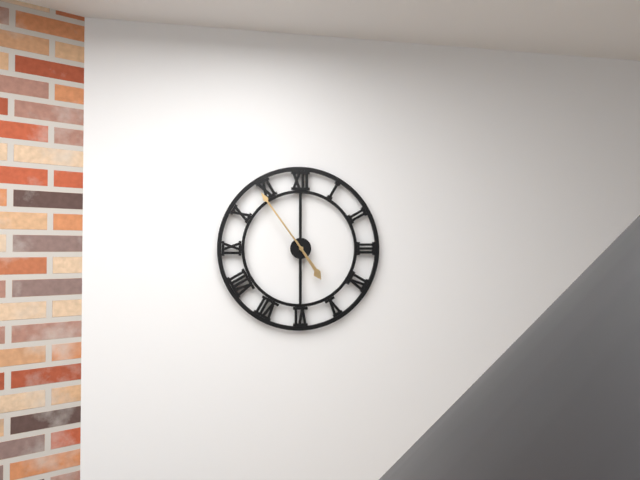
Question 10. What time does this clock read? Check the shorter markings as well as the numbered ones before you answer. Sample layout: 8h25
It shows 4h54
